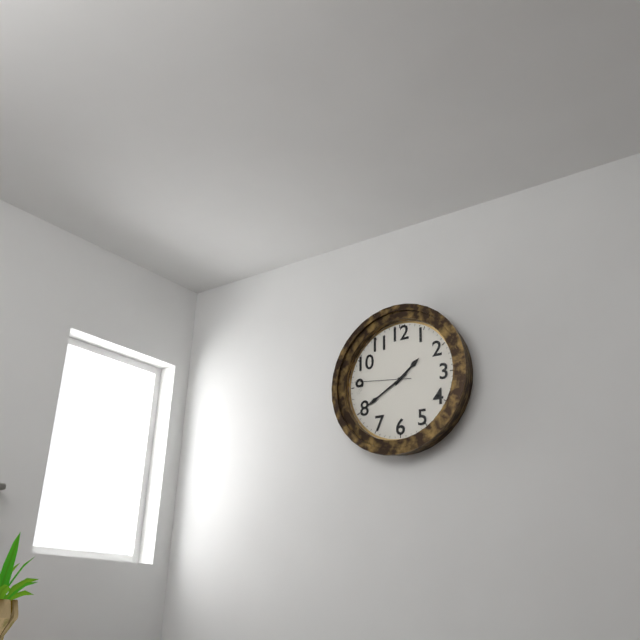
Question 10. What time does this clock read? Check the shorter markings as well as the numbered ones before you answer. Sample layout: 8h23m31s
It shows 1h40m46s
